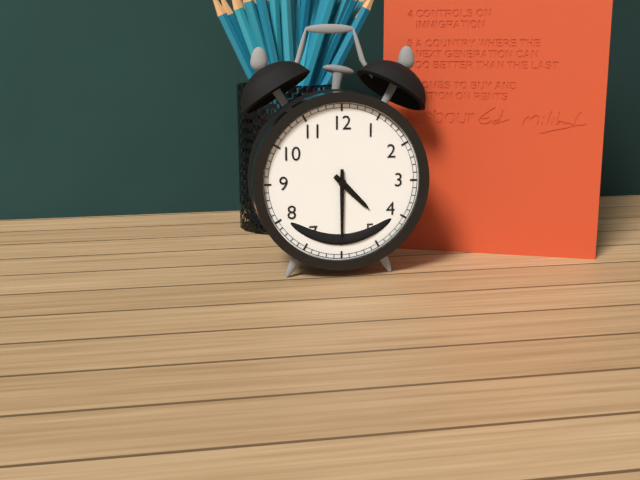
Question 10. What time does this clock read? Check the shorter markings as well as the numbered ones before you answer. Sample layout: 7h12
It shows 4h30
